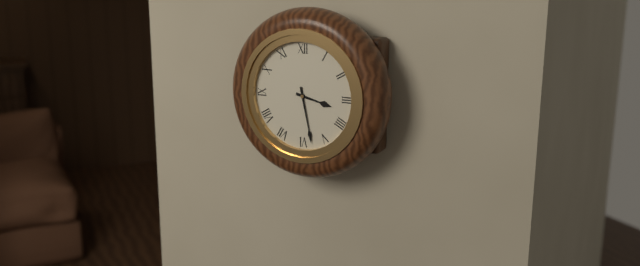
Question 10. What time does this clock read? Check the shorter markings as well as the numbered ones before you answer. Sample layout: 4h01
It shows 3h28
